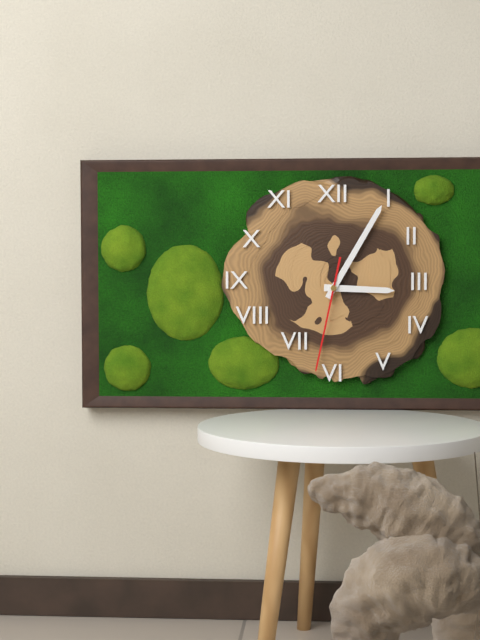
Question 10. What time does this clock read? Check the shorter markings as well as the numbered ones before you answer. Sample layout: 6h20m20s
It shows 3h05m32s
